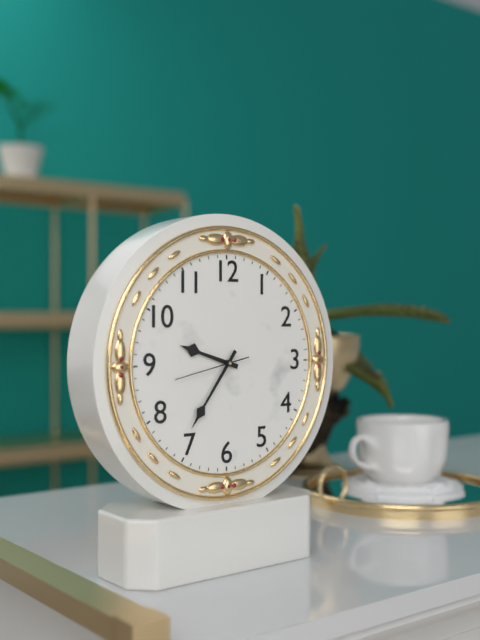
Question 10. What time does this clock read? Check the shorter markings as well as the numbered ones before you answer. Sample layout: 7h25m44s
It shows 9h36m43s
